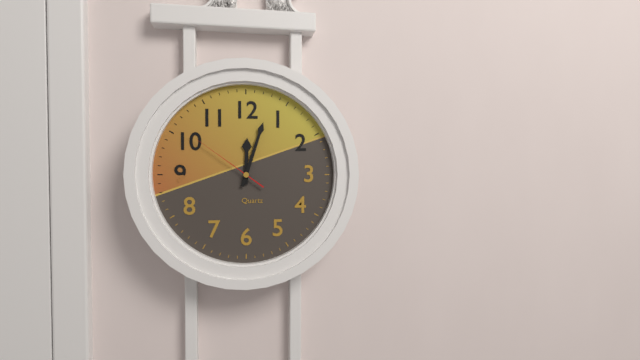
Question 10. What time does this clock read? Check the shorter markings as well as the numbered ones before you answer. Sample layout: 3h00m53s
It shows 12h03m51s
